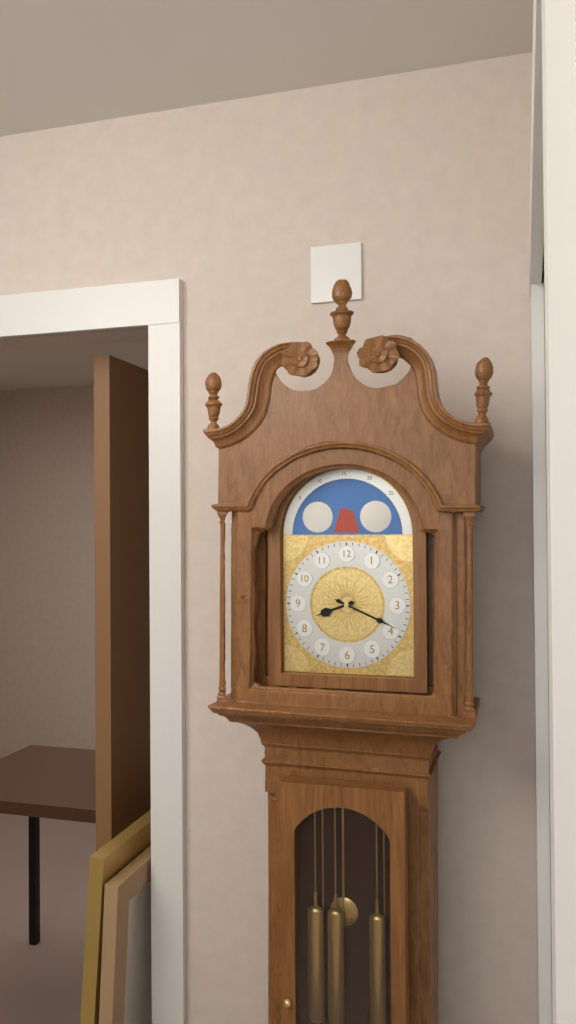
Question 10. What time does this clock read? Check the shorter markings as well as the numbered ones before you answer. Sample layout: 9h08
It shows 8h19
